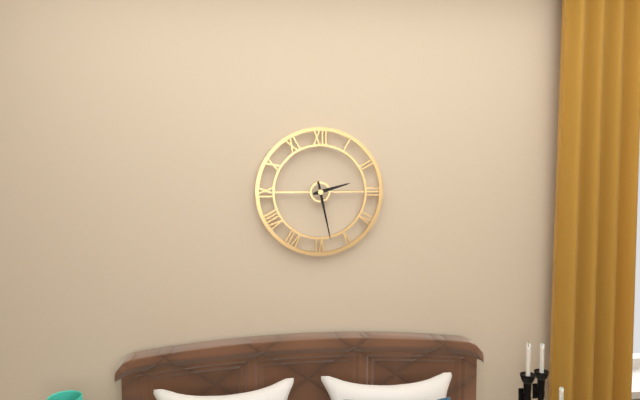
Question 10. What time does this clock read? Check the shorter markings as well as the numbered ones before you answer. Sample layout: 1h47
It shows 2h28
